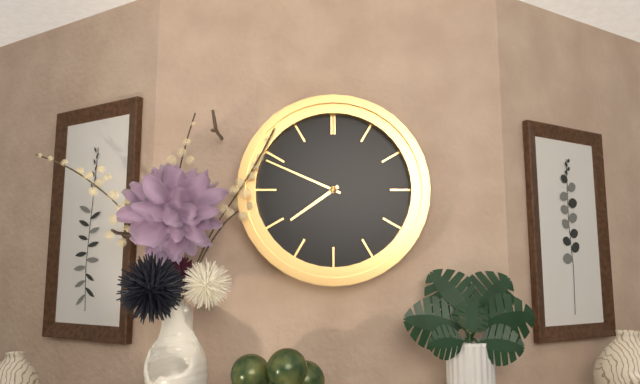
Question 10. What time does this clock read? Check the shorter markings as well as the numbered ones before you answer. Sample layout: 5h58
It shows 7h49
